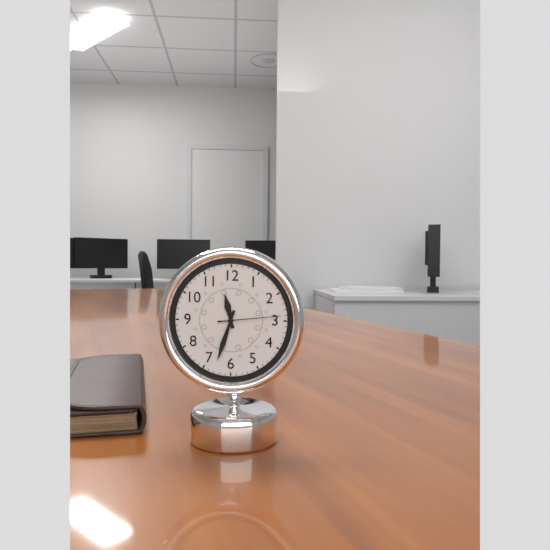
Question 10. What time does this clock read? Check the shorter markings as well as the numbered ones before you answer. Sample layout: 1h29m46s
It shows 11h33m14s
